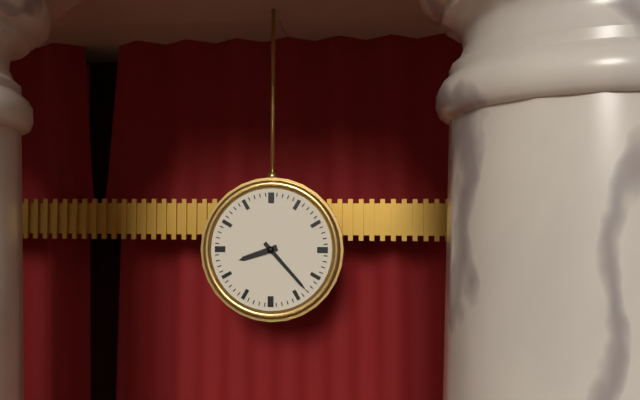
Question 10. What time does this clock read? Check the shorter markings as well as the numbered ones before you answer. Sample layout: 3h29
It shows 8h23
